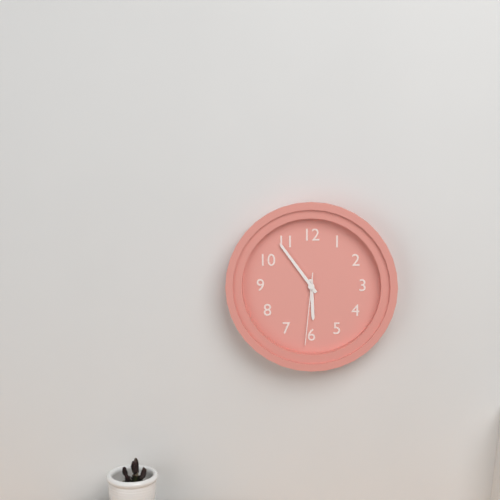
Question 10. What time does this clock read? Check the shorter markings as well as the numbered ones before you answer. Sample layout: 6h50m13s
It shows 5h54m31s
